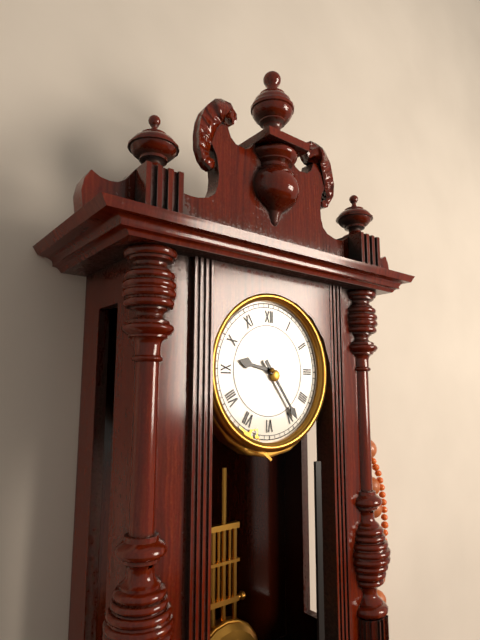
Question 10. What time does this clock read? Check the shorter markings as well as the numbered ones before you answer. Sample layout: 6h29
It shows 9h24
